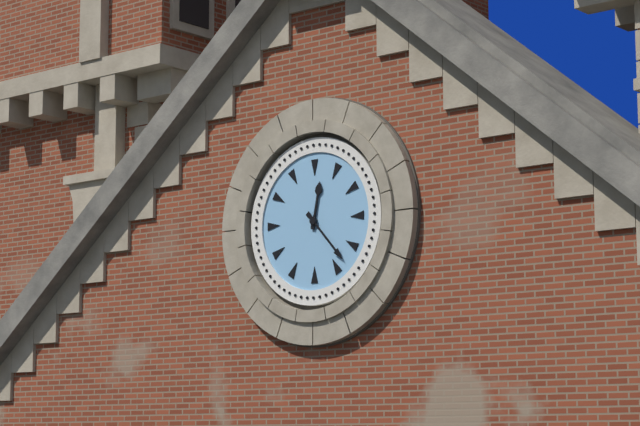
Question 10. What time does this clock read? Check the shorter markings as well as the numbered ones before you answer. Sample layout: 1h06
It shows 12h23
